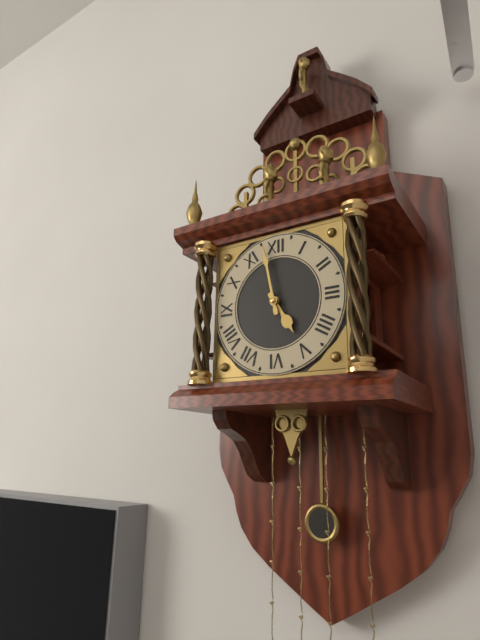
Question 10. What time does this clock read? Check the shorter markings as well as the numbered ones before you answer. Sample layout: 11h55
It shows 4h58
